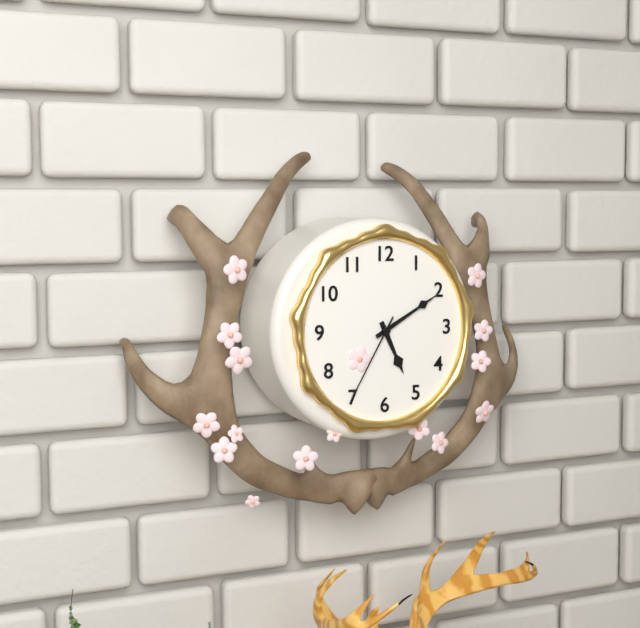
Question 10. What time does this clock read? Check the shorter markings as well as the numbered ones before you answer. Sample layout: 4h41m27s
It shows 5h10m35s
